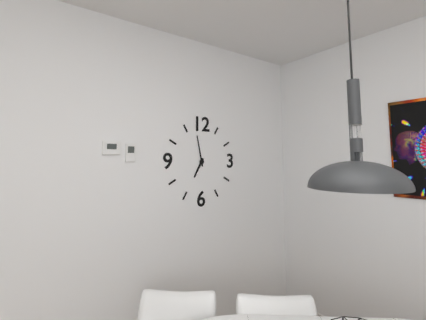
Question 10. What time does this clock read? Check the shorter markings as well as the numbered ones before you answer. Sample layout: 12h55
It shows 6h58
